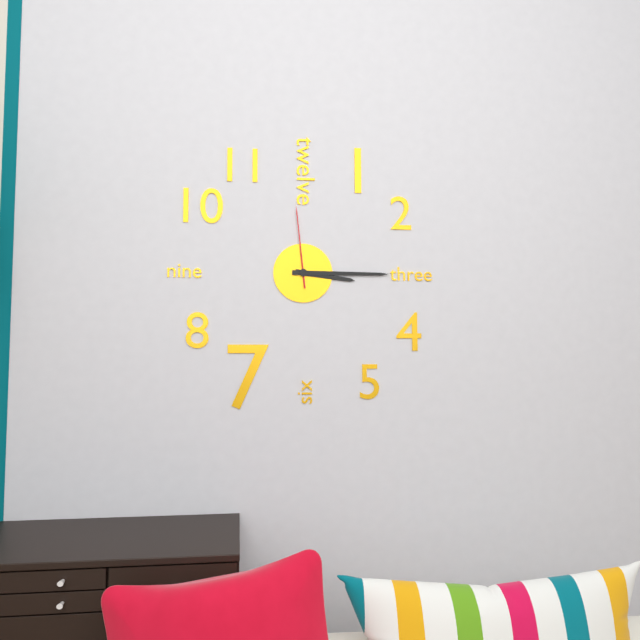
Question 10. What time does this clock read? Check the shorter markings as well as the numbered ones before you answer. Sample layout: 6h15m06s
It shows 3h15m59s
